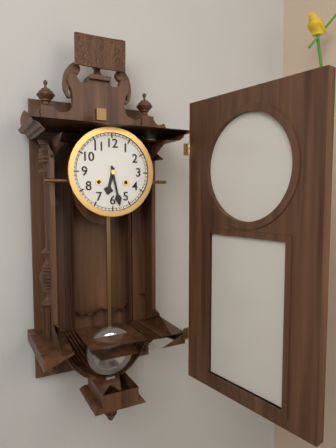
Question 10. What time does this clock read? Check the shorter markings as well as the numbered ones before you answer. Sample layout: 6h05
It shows 6h28
